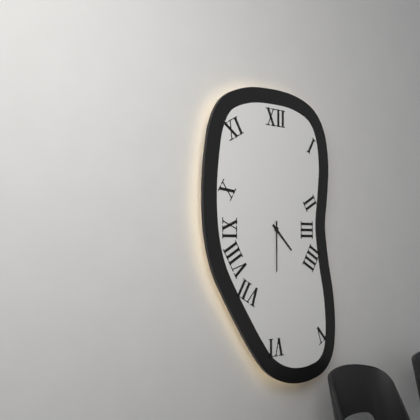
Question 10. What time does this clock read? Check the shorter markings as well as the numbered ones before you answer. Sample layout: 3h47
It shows 4h30
